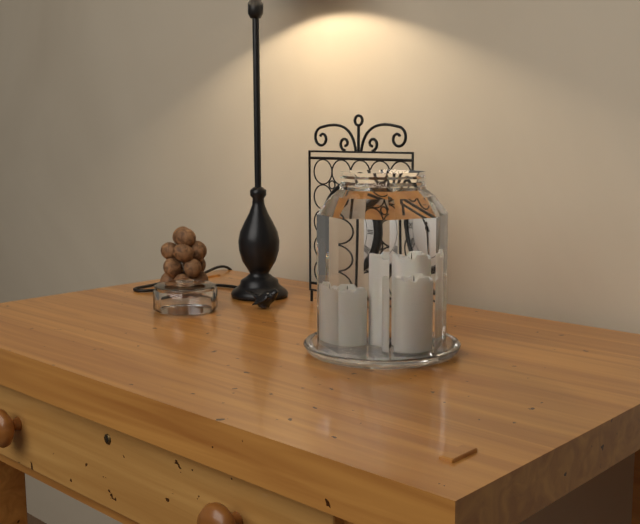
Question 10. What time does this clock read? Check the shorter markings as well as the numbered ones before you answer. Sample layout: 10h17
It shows 10h29
